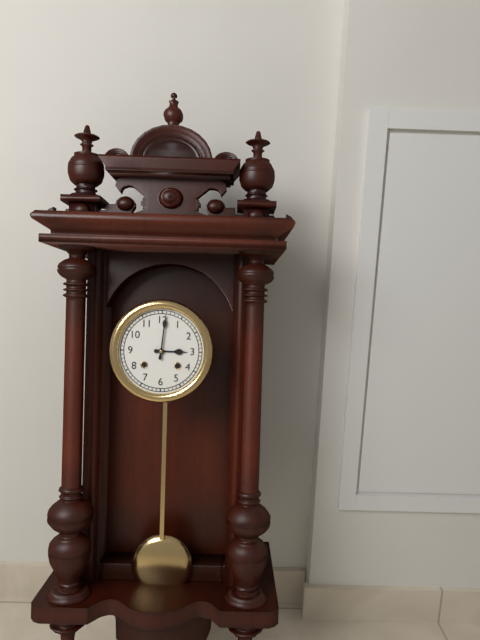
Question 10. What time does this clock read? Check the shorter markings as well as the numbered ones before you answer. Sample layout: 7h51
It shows 3h01
